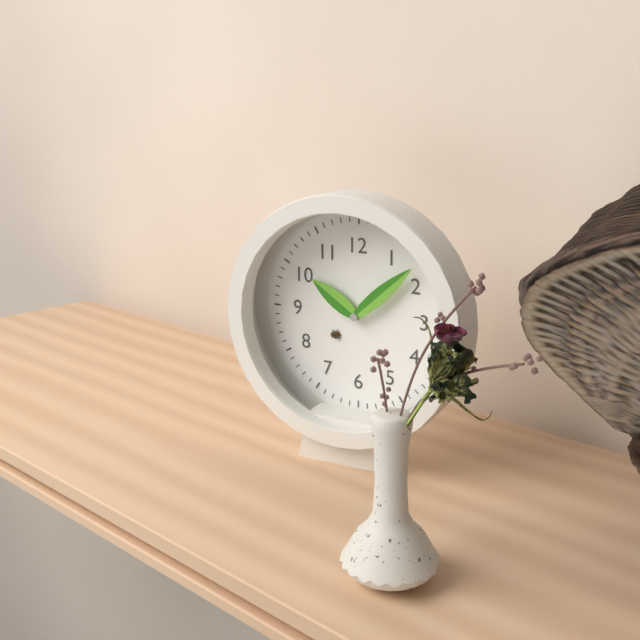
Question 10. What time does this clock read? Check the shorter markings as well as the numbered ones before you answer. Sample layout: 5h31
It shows 10h08
